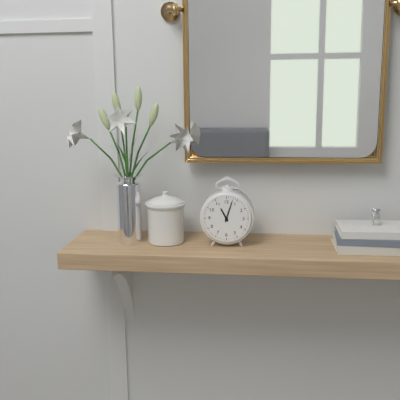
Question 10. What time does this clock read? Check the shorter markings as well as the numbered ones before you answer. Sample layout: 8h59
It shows 11h03
